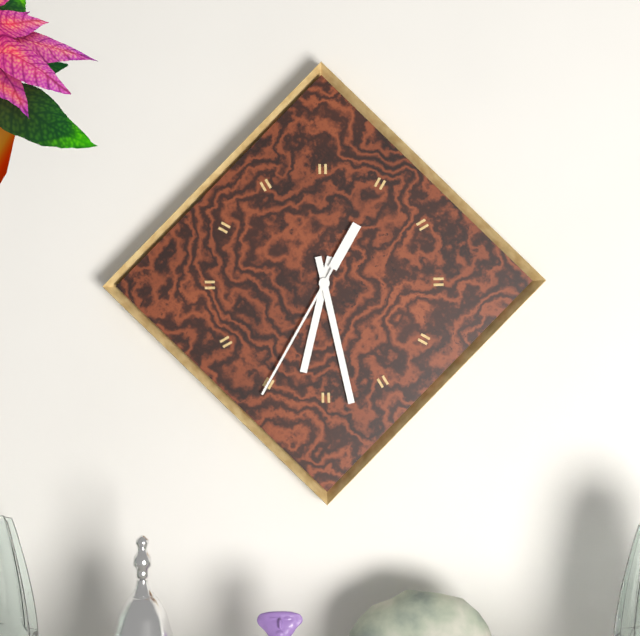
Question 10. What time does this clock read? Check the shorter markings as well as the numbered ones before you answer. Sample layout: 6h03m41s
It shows 6h28m35s
